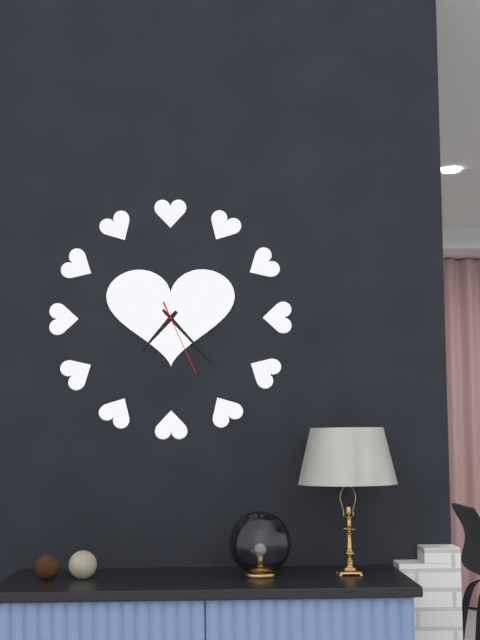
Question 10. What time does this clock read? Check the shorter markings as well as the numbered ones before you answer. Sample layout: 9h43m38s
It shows 7h23m26s
